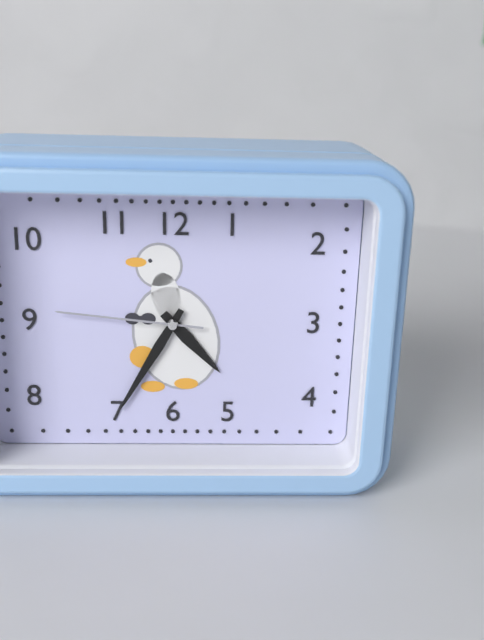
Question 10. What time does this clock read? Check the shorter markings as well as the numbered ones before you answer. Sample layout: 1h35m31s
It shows 4h35m46s
